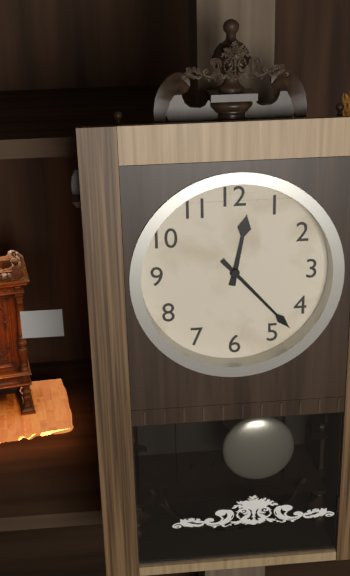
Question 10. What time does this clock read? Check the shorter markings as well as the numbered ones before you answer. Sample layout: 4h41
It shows 12h23
